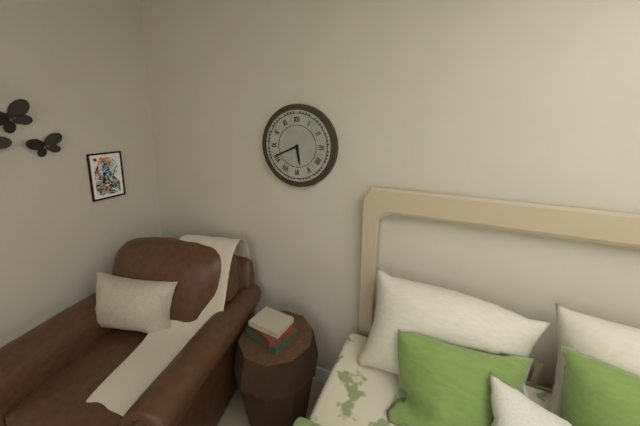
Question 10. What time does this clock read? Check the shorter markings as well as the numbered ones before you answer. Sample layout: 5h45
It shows 5h41
